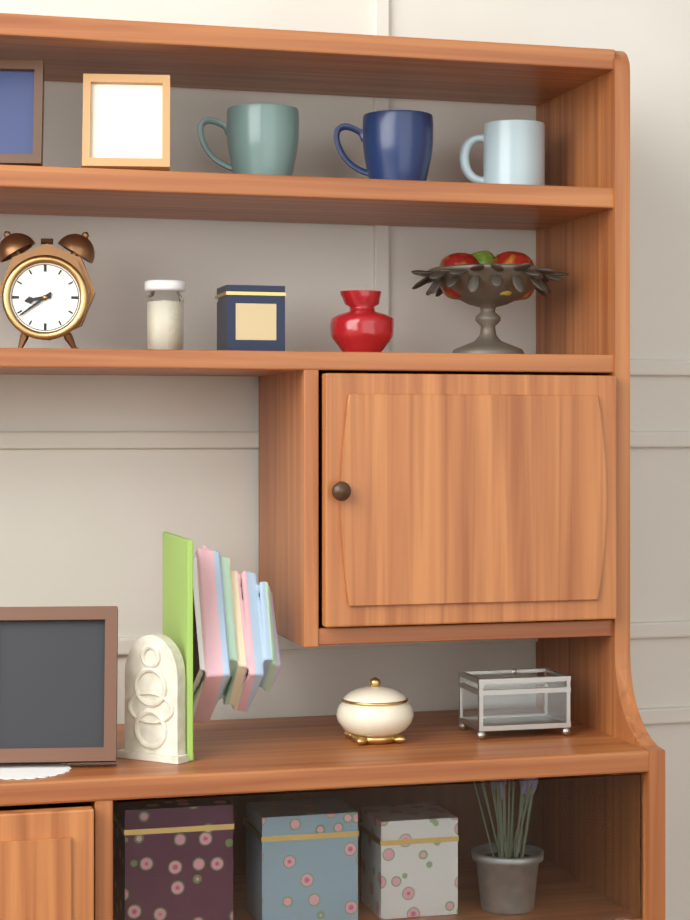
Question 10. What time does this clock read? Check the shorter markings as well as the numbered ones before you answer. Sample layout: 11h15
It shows 8h39
